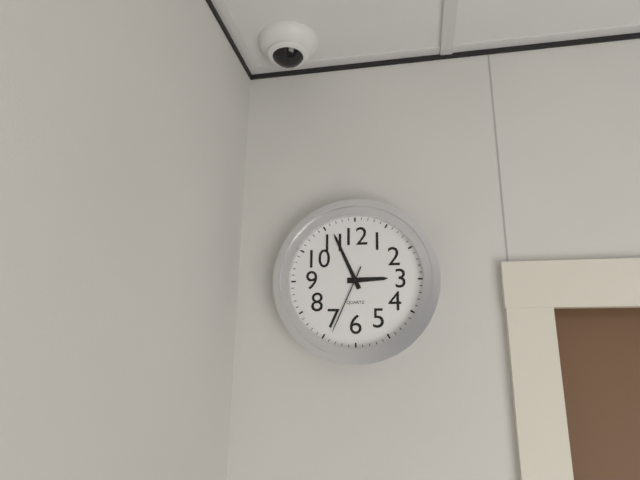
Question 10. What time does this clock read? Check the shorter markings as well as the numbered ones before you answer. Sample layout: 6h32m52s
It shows 2h56m34s
